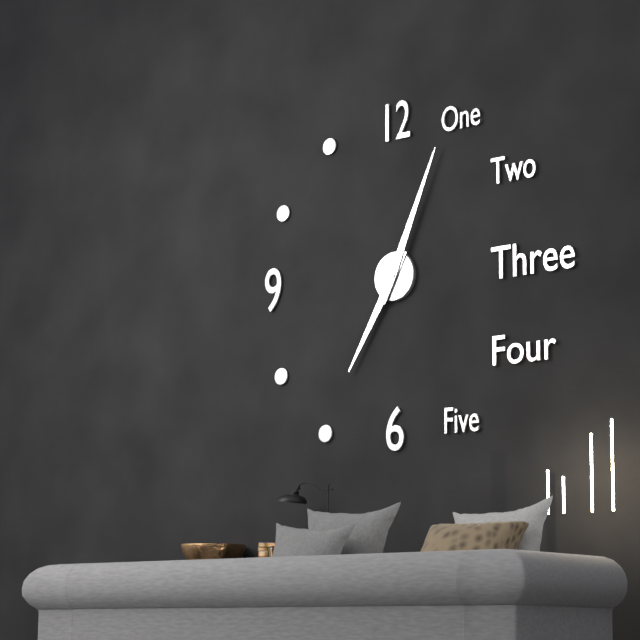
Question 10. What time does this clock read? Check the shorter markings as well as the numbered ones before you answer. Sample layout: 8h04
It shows 7h04
